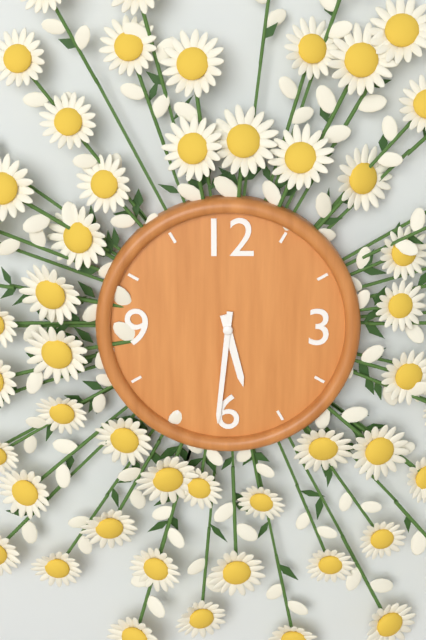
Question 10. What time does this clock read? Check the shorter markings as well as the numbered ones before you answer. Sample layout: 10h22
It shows 5h31
